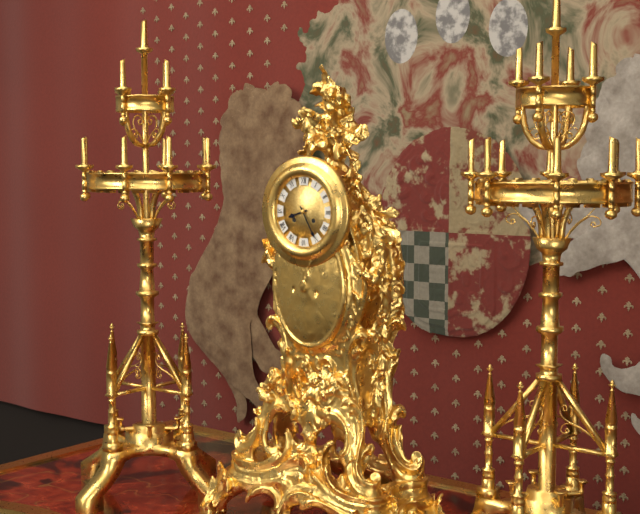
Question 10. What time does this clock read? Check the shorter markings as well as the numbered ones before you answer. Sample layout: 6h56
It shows 8h25
